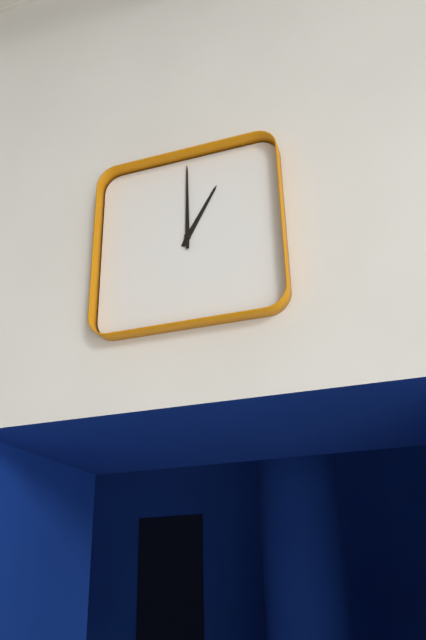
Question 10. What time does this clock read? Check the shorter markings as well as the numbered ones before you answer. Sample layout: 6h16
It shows 1h00
